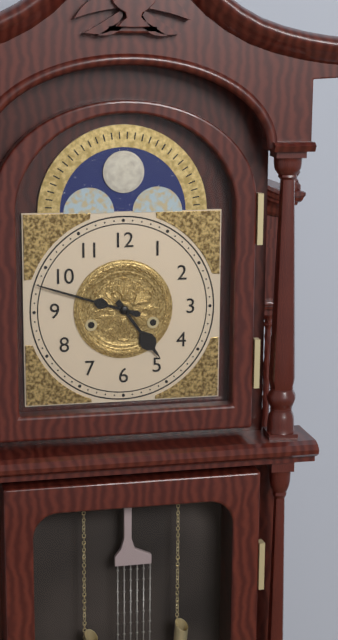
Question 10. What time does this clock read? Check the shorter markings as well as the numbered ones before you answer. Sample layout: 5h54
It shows 4h48
